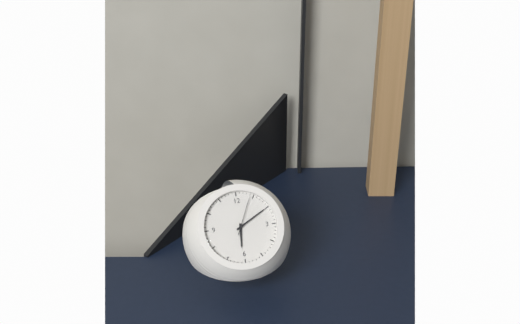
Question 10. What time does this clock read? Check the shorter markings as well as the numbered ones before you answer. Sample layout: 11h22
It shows 6h10
